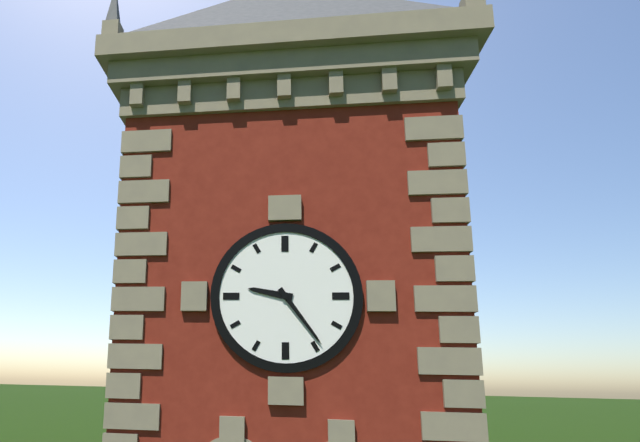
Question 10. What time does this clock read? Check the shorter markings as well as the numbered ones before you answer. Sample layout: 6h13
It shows 9h24
